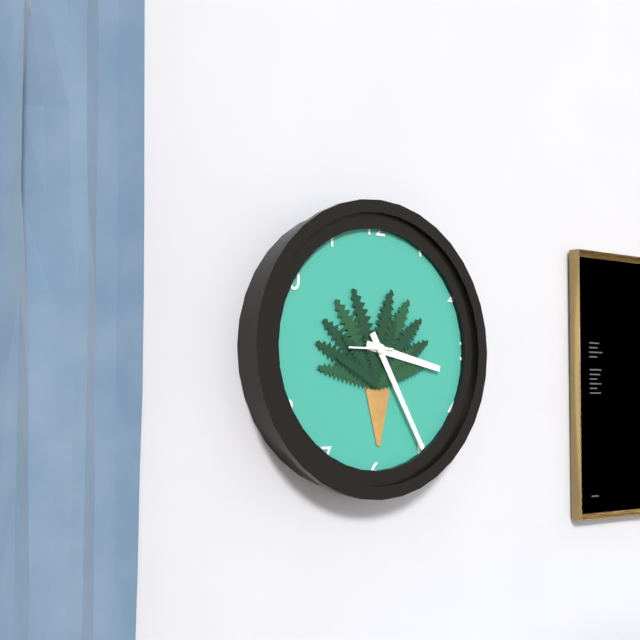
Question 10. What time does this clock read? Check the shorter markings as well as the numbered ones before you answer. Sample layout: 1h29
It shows 3h25
